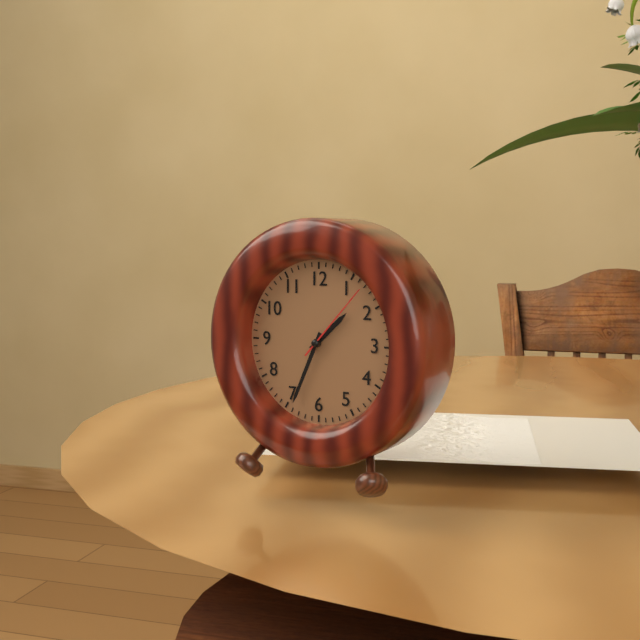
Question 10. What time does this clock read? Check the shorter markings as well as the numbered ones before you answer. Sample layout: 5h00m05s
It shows 1h34m07s
